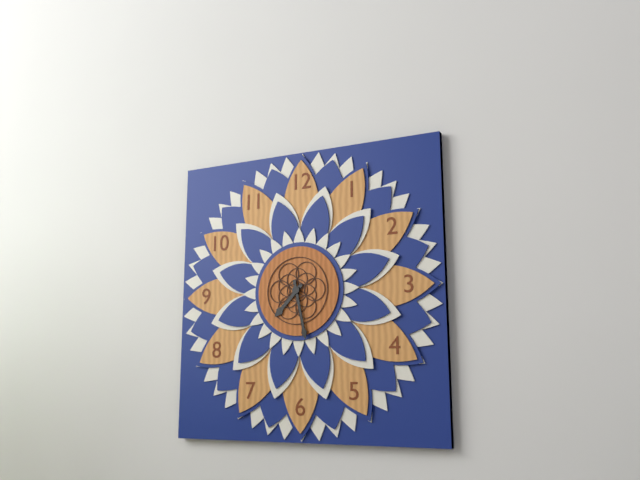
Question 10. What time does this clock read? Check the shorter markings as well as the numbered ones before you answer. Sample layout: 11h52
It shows 7h28
